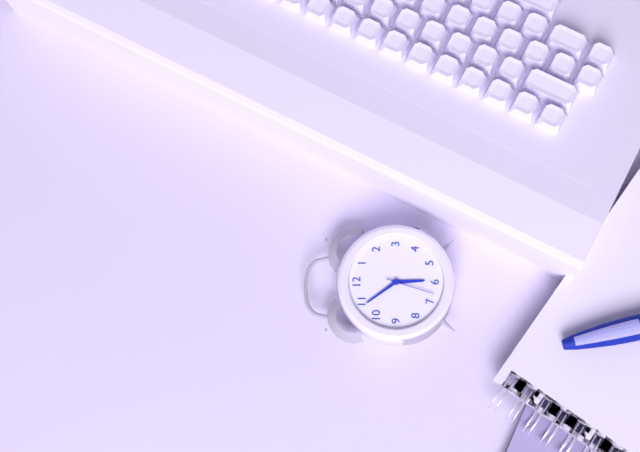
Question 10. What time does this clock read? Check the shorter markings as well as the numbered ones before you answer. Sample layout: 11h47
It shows 5h54
